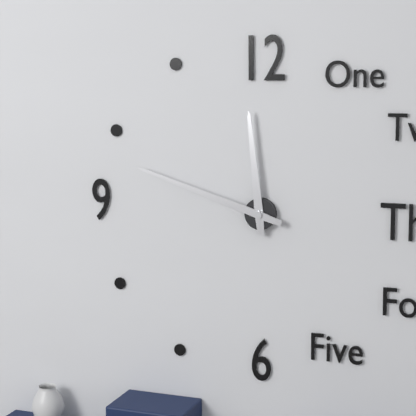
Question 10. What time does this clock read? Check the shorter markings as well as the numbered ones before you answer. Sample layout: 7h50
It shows 11h48
